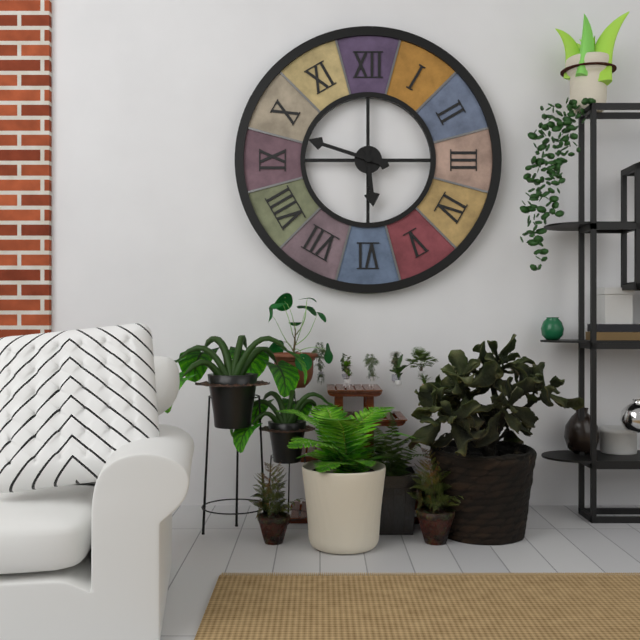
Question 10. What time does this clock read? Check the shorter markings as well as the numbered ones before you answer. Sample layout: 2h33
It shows 5h48
